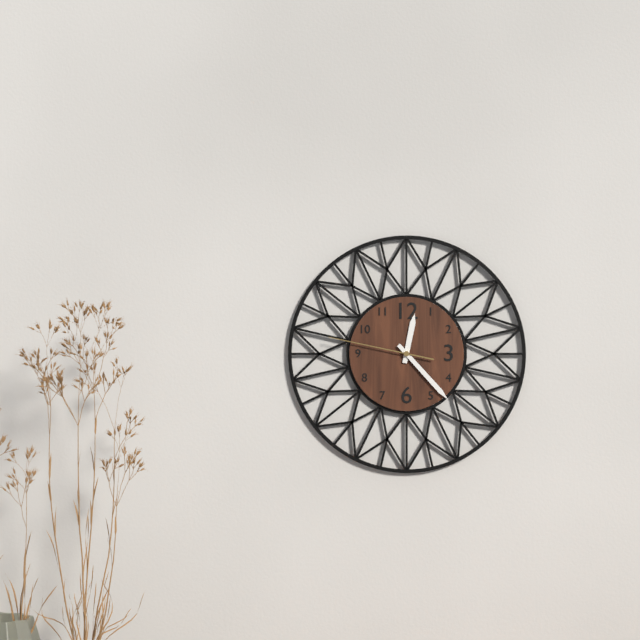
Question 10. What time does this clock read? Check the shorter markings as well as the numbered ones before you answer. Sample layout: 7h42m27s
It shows 12h23m47s
